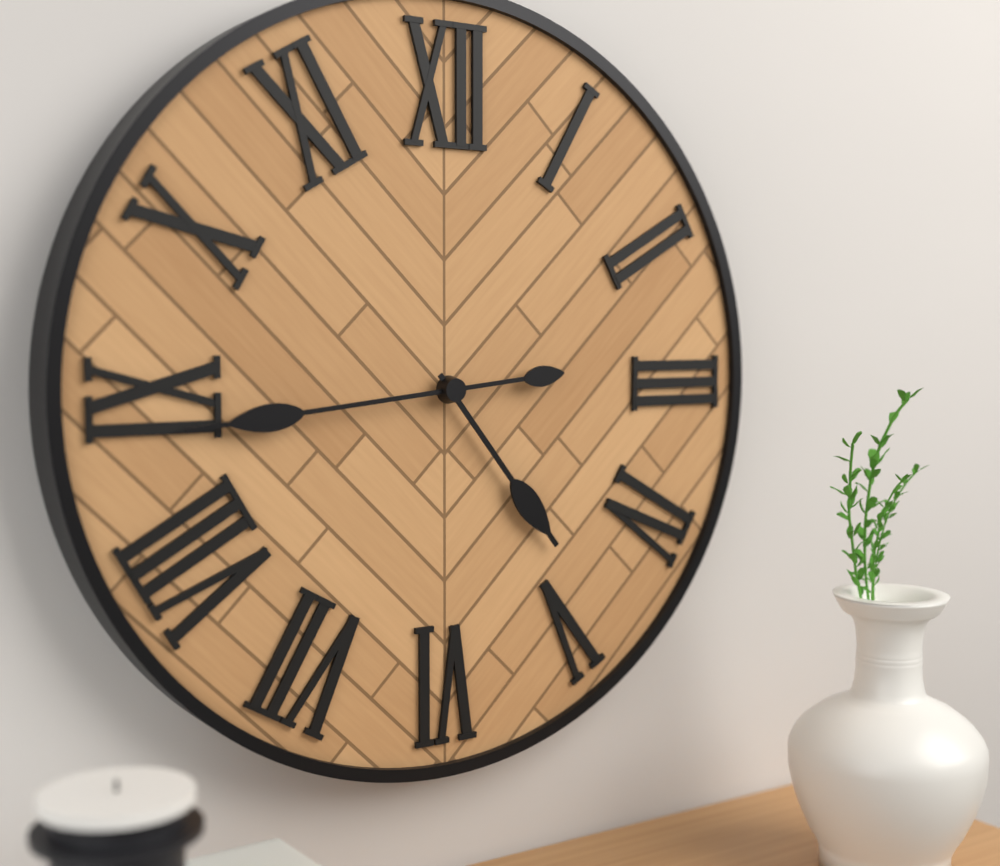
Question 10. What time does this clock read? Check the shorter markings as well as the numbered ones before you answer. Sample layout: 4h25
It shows 4h44
